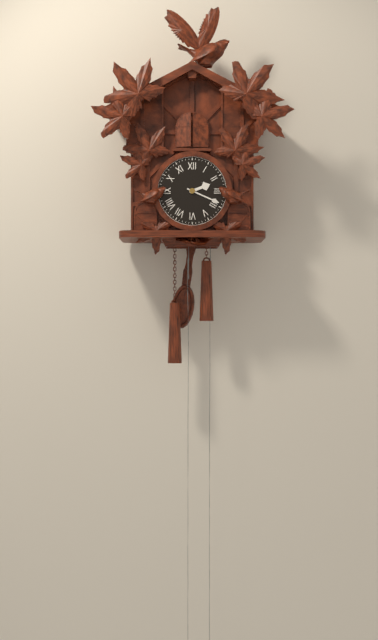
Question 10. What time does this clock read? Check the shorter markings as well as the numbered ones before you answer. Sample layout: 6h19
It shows 2h19
